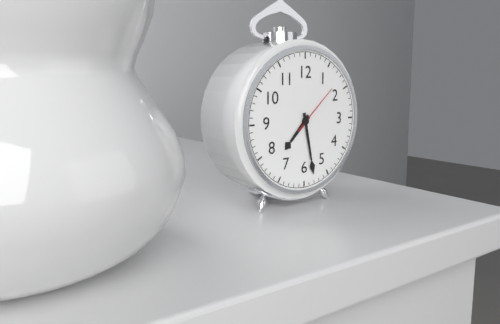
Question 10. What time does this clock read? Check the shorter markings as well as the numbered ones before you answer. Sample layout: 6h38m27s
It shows 7h28m08s
